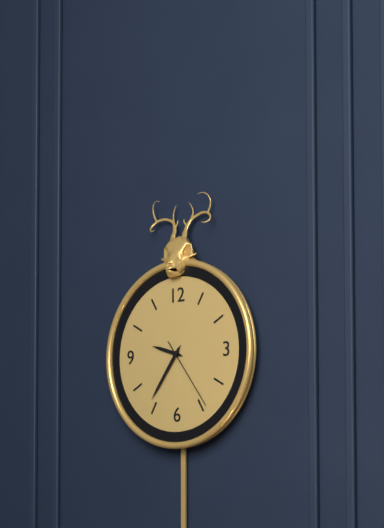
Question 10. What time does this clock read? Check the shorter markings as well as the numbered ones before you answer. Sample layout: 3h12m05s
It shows 9h36m24s
